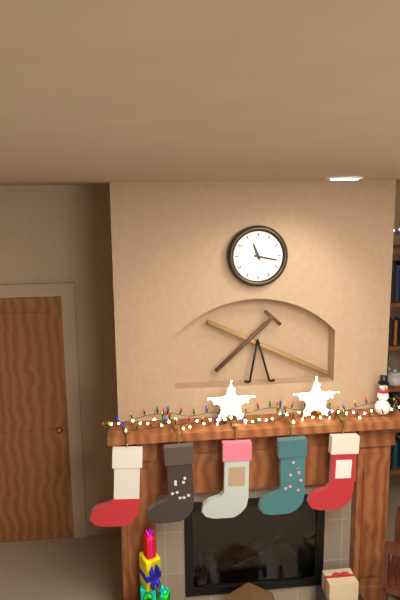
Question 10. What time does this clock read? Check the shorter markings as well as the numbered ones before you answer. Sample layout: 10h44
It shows 11h17
